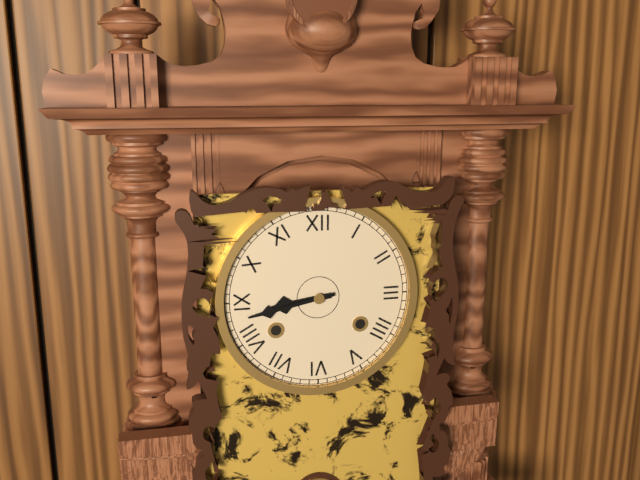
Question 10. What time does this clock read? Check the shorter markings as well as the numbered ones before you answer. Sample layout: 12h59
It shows 8h43
